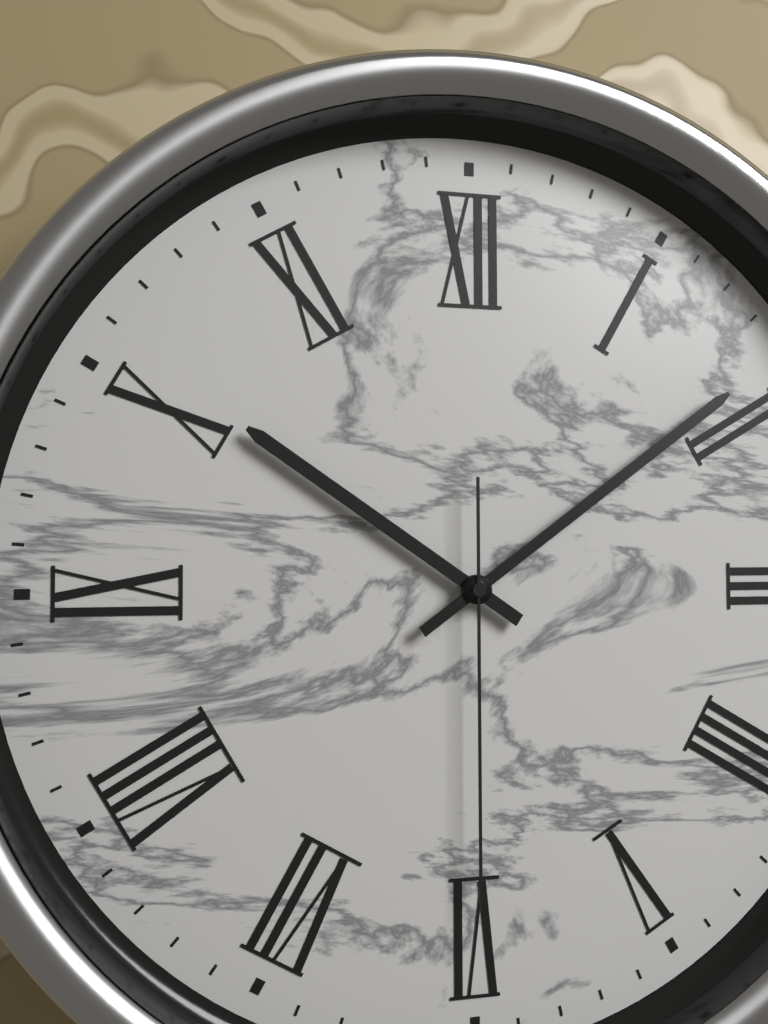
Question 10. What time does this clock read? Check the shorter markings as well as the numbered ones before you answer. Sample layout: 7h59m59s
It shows 10h09m30s
